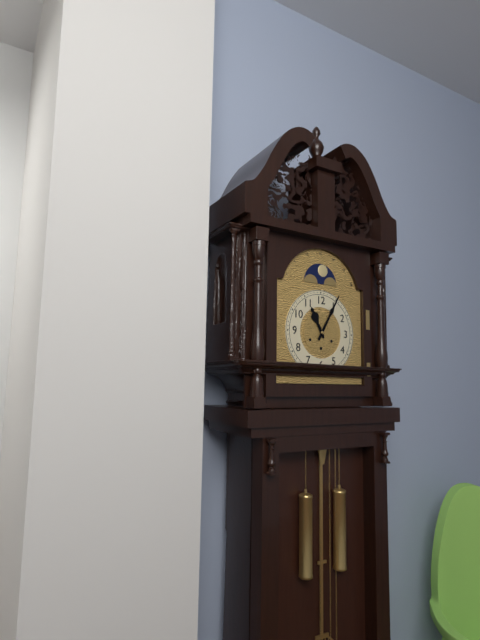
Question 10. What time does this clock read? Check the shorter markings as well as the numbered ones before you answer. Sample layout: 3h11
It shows 11h05
